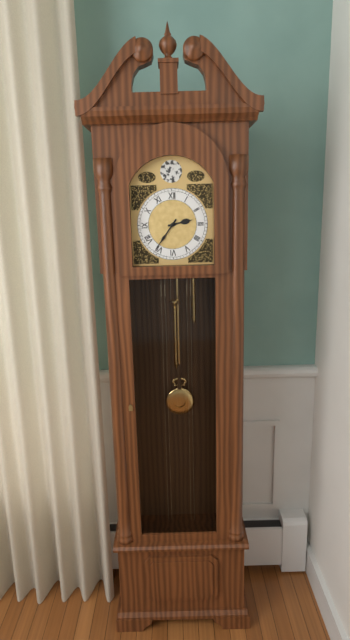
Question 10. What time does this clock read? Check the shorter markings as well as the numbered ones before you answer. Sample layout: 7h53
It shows 2h36
